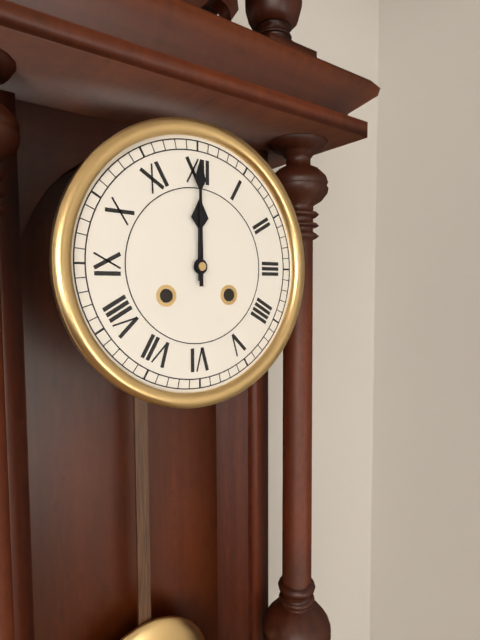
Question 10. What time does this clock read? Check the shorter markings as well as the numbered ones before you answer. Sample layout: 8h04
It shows 12h00
